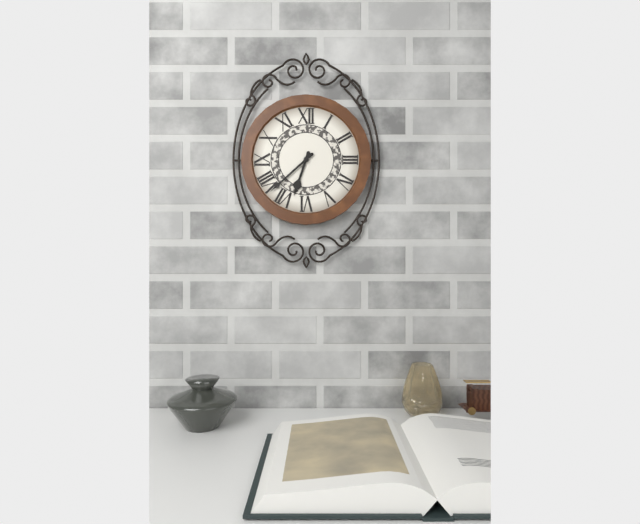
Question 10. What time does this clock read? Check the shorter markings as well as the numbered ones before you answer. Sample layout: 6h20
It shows 6h38
